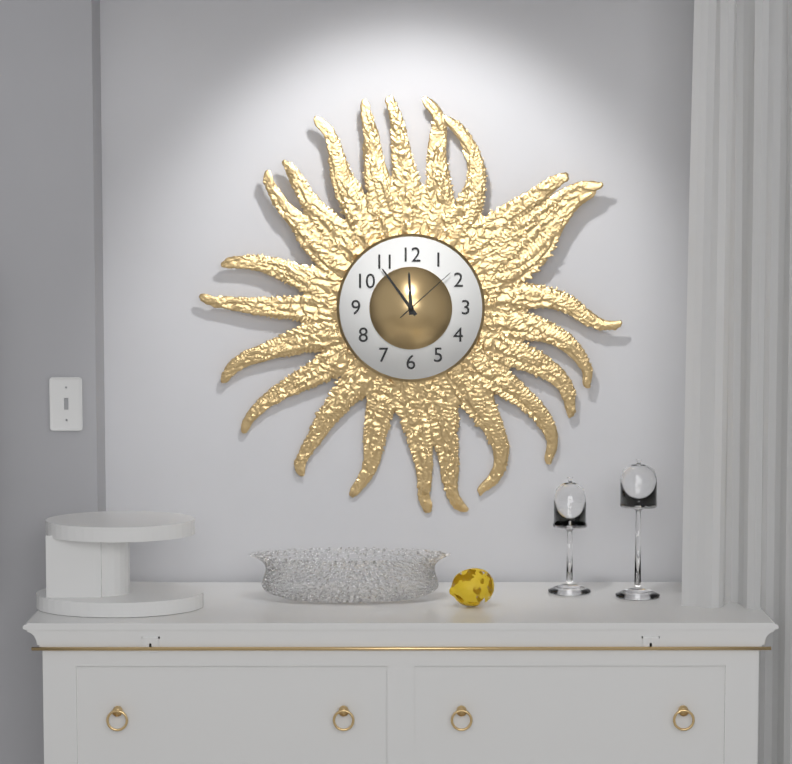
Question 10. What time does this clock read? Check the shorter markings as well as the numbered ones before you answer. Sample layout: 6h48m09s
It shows 11h54m08s
